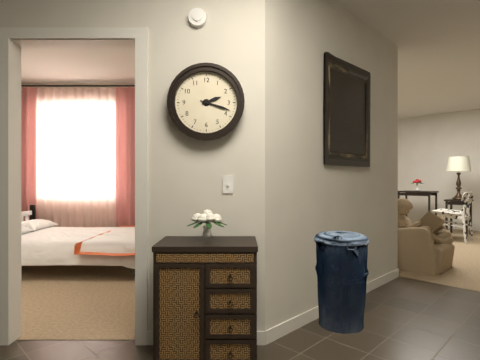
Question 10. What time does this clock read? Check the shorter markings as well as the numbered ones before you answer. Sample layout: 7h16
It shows 2h18
